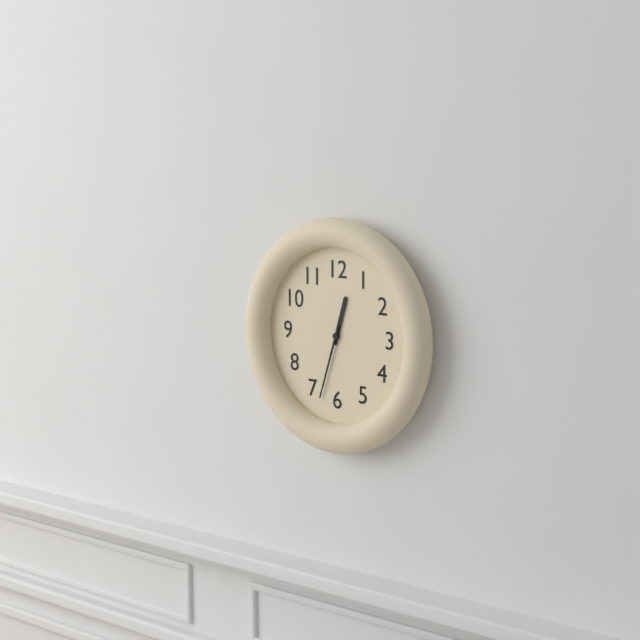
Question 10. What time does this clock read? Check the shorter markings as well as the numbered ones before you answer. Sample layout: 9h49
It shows 12h33
